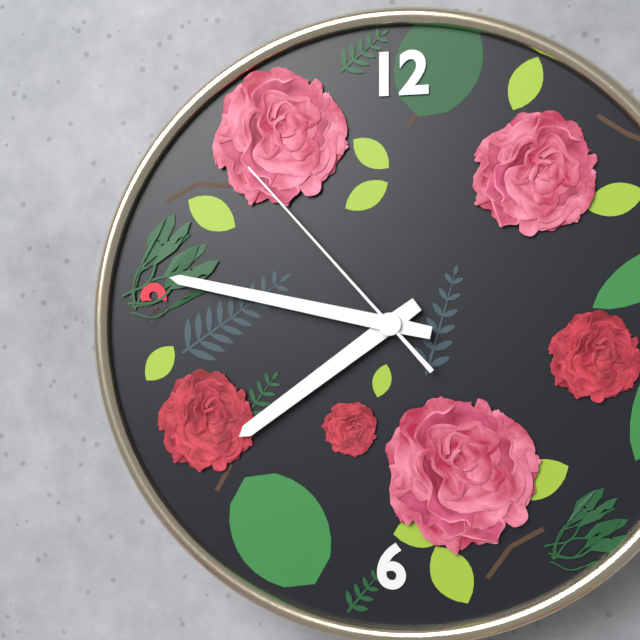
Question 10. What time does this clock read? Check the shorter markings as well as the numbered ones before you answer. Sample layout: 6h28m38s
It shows 7h47m53s
